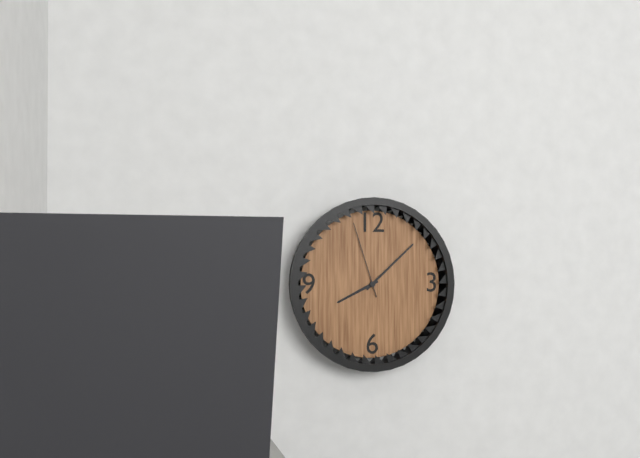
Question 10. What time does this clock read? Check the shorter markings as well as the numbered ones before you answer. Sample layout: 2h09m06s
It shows 8h08m57s
